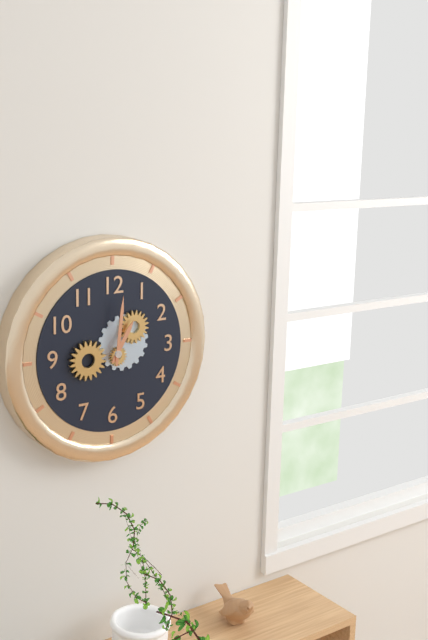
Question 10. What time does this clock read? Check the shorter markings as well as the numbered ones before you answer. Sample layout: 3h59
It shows 1h01
